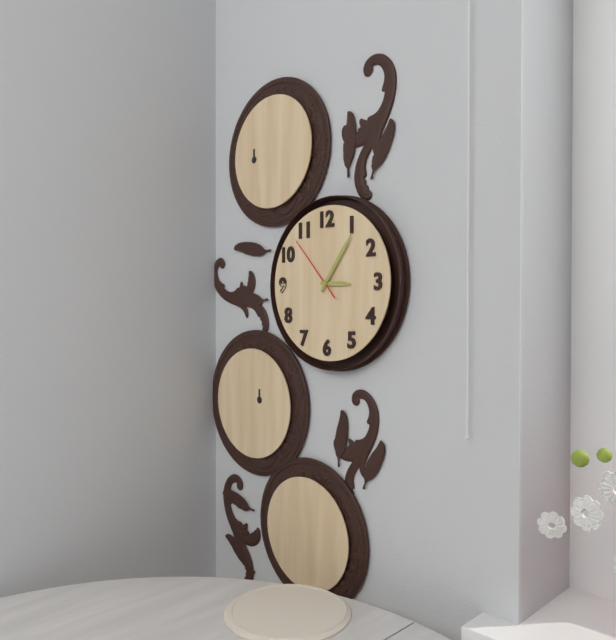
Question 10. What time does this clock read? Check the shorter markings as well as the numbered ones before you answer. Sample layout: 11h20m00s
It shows 3h06m53s
